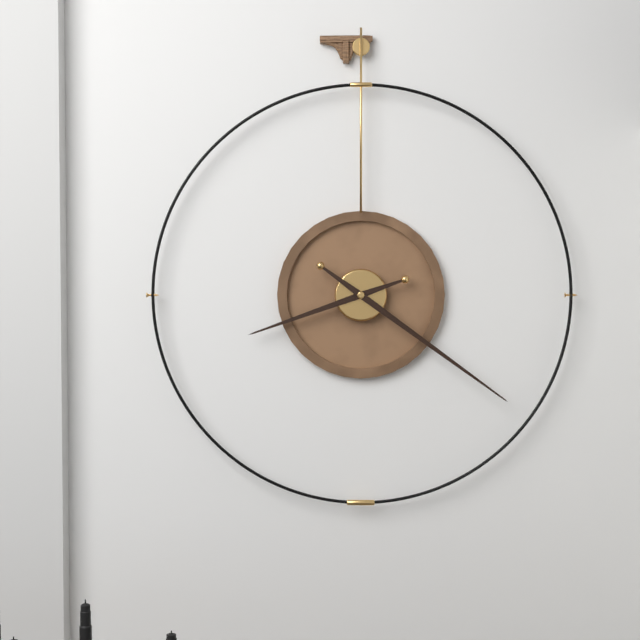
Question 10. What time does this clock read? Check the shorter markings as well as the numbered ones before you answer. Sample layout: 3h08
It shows 8h21
